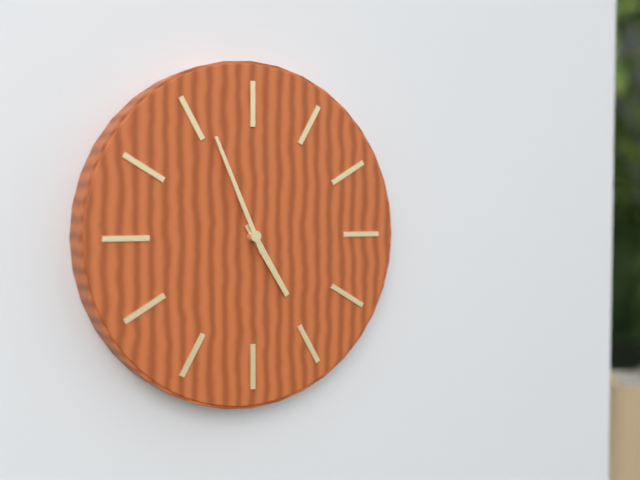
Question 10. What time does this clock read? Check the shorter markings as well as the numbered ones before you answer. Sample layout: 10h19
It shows 4h56
